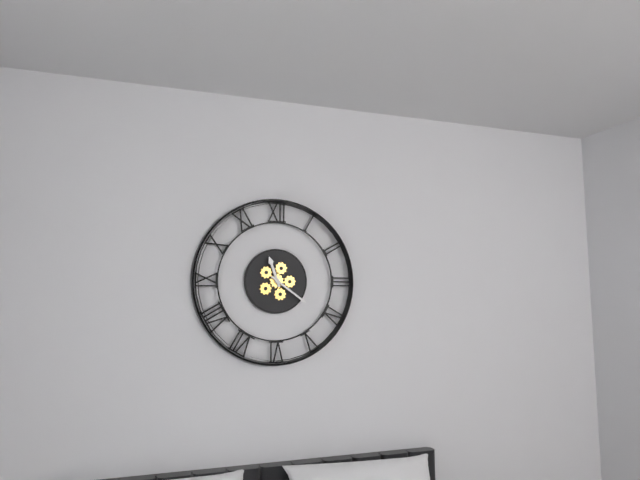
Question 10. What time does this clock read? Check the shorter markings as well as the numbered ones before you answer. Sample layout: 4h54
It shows 11h21
